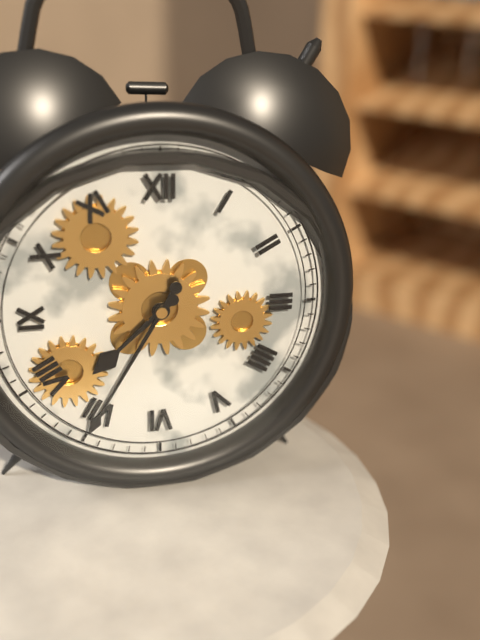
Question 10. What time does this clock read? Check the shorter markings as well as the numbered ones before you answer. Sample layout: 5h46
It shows 7h35
